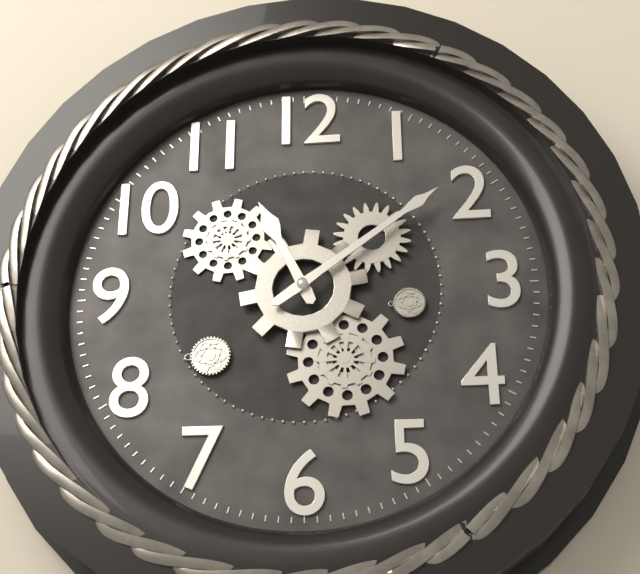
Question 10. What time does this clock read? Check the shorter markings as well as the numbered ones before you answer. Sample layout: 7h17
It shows 11h09
